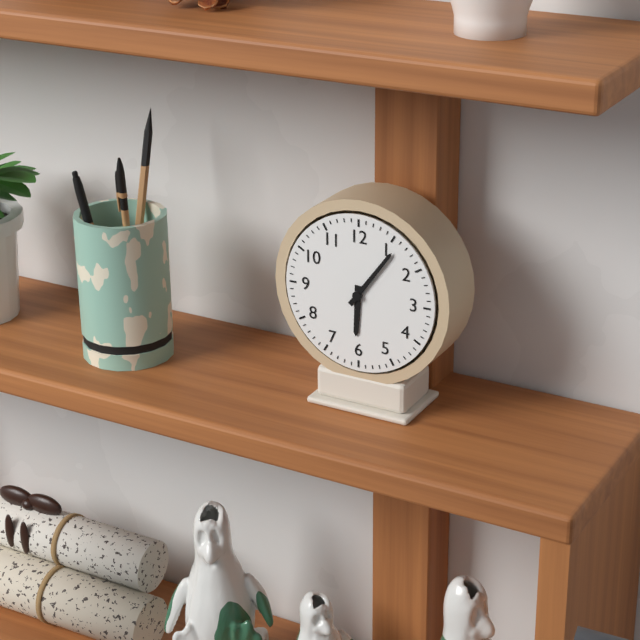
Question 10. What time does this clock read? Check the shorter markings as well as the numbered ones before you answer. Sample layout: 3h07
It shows 6h06
